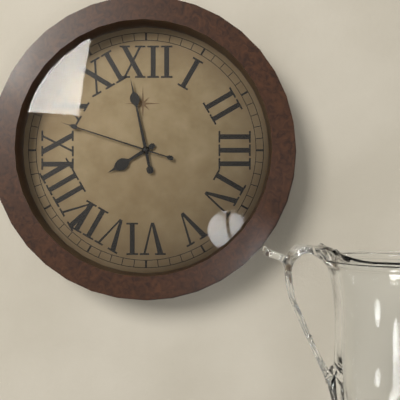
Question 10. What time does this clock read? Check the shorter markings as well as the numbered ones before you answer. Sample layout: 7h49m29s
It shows 7h58m48s
